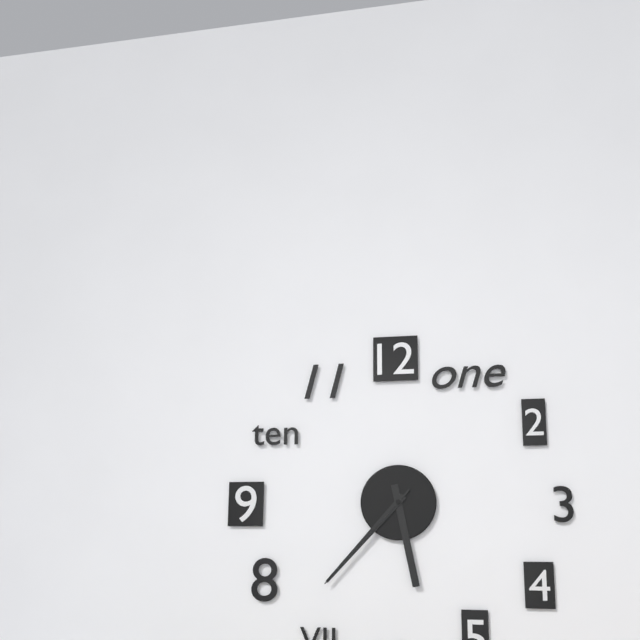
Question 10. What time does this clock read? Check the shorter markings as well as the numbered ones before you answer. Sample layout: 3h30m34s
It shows 5h37m37s
